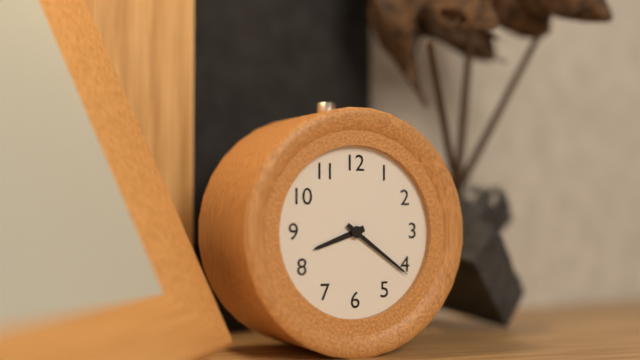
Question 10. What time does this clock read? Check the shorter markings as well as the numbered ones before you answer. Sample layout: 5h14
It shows 8h21
